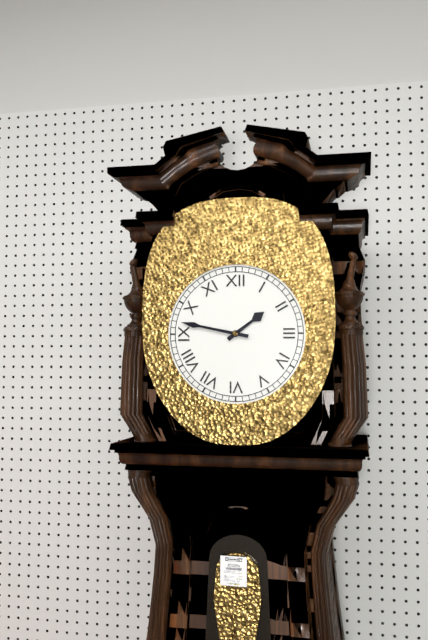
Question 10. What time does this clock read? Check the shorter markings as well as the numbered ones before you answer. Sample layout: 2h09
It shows 1h47
